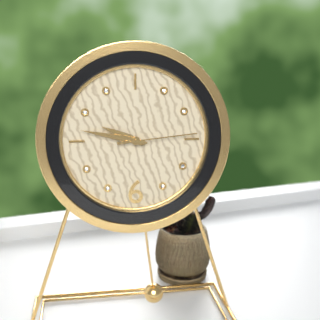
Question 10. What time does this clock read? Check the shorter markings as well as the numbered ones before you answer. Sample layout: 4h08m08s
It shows 9h47m14s
